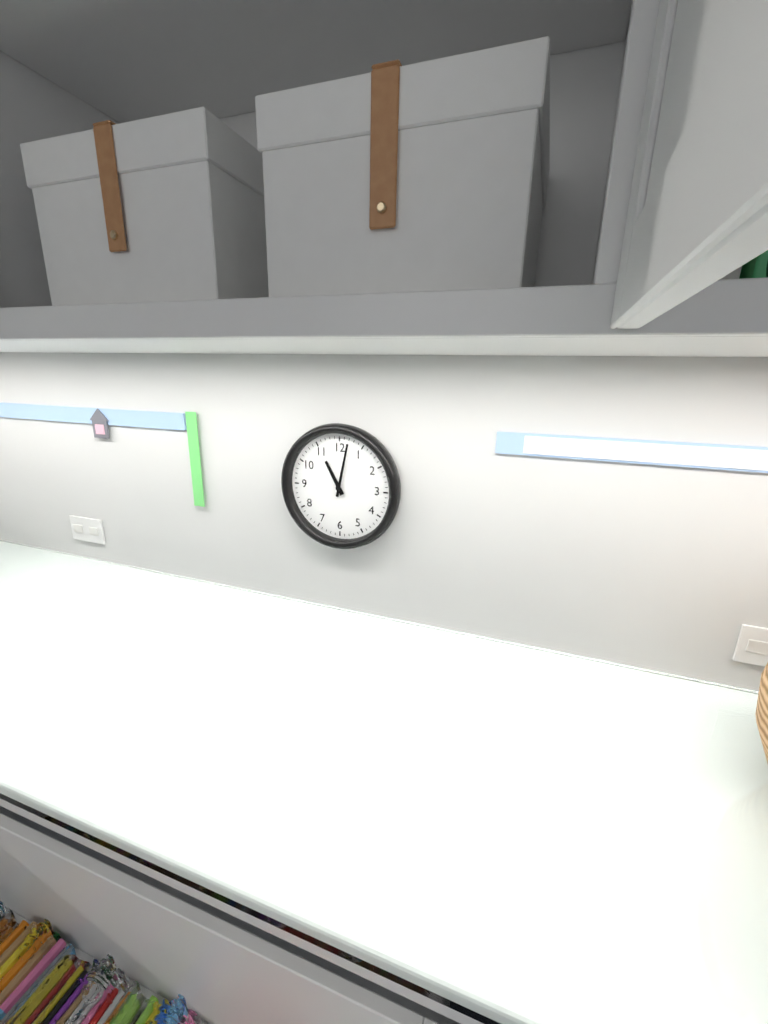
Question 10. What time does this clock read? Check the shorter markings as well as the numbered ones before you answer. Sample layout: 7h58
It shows 11h02
